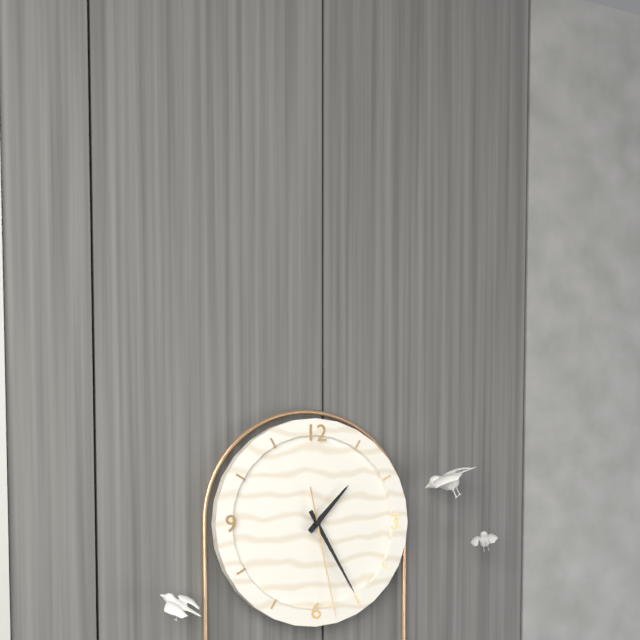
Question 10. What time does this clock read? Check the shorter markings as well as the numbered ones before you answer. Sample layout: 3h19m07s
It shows 1h25m28s
